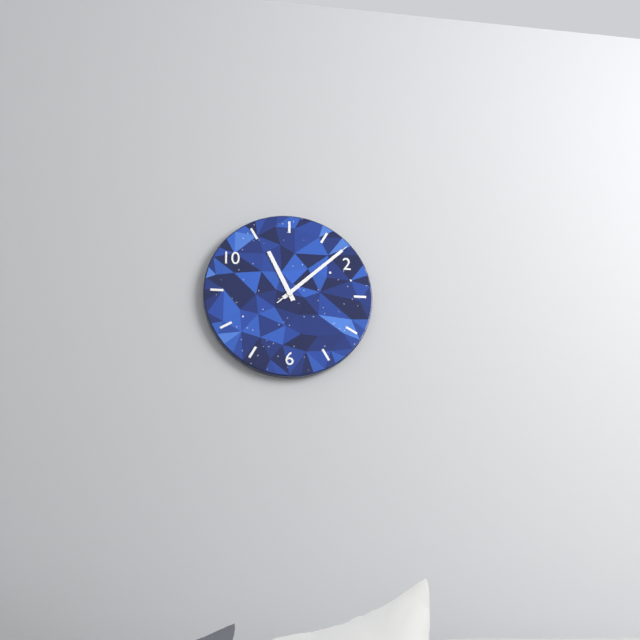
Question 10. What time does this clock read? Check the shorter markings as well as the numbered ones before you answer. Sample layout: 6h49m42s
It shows 11h08m08s
